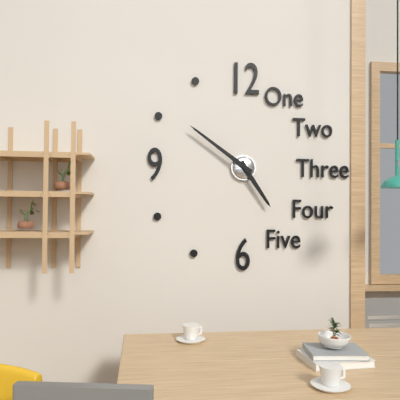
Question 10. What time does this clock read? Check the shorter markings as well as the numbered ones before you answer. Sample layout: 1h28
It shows 4h51
